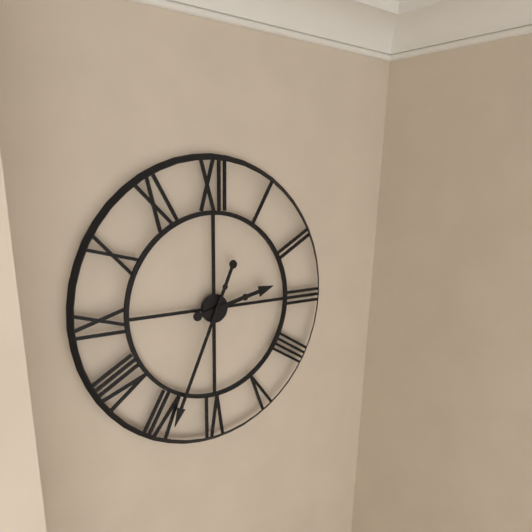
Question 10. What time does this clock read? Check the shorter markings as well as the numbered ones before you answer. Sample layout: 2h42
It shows 2h34
